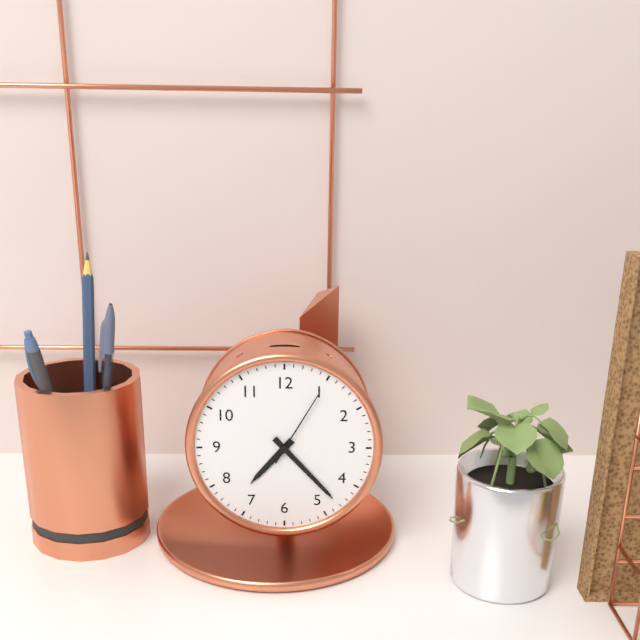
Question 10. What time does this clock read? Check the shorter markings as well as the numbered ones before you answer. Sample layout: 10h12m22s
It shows 7h23m05s
